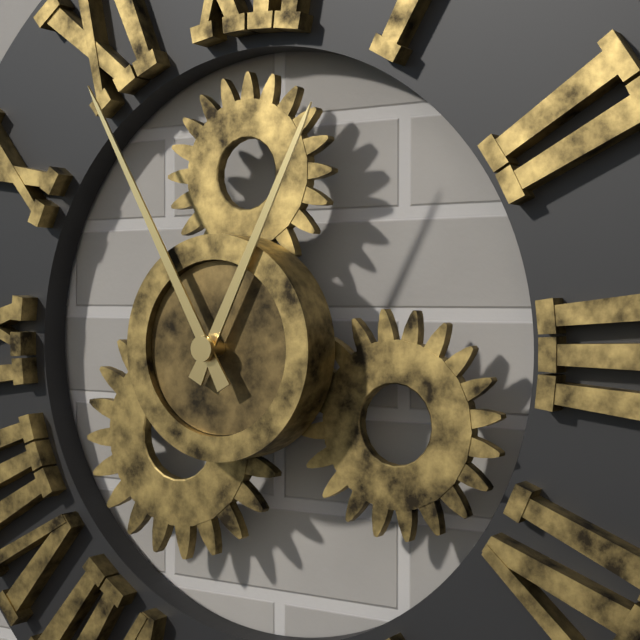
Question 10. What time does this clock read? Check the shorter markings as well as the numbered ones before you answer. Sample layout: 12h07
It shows 12h55
